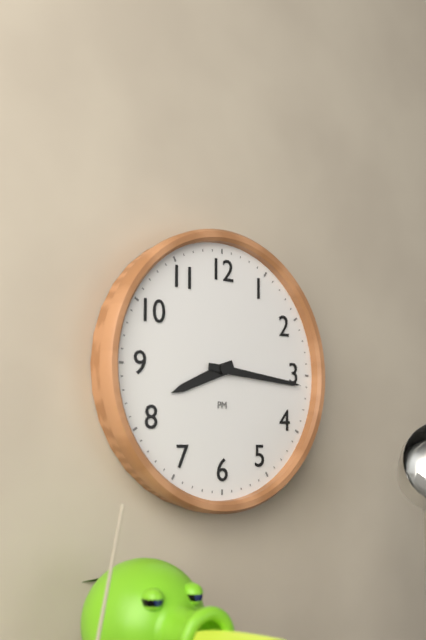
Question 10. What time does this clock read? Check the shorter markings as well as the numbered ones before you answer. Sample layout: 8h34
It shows 8h16
